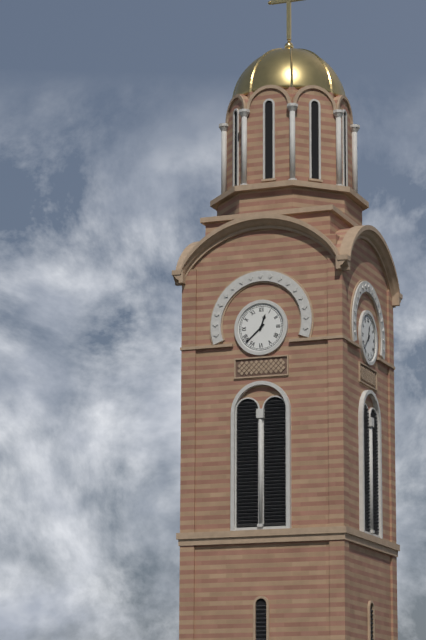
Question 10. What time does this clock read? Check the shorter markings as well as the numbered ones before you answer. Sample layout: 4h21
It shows 12h38
